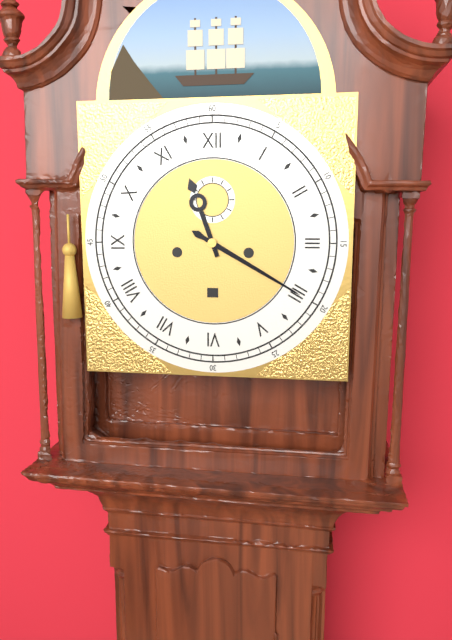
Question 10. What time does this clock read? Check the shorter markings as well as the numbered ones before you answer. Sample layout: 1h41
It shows 11h20
